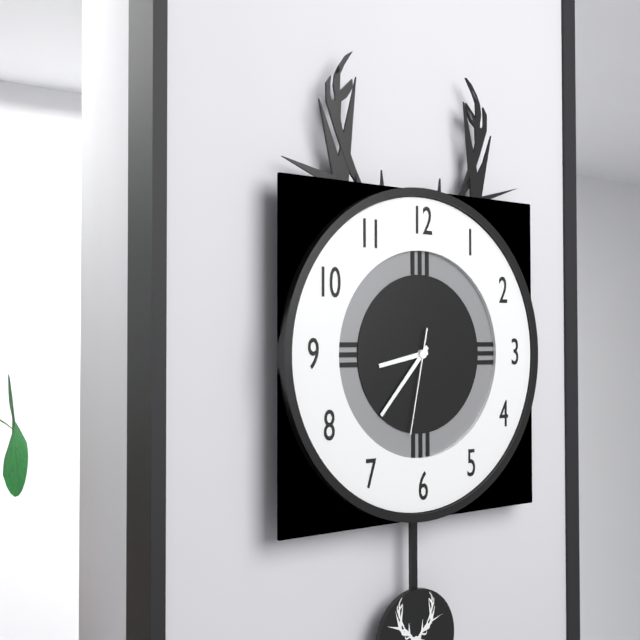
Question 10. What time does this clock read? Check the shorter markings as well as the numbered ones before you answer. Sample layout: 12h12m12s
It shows 8h37m32s
